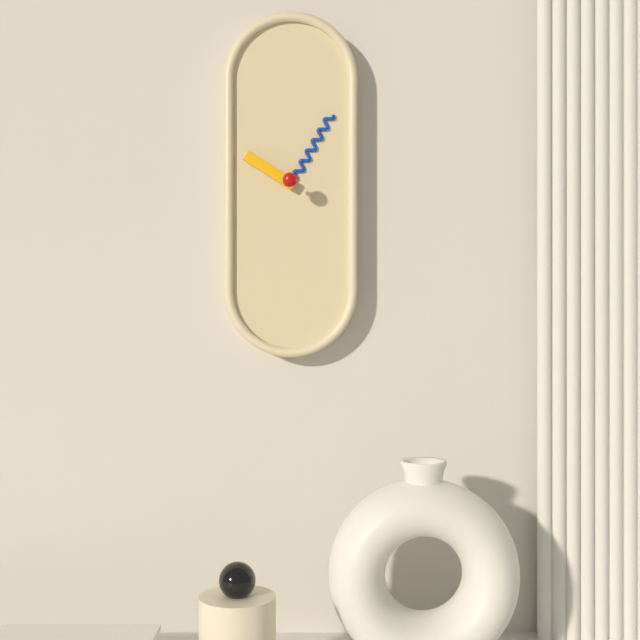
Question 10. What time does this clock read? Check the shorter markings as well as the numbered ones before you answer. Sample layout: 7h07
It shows 10h05
